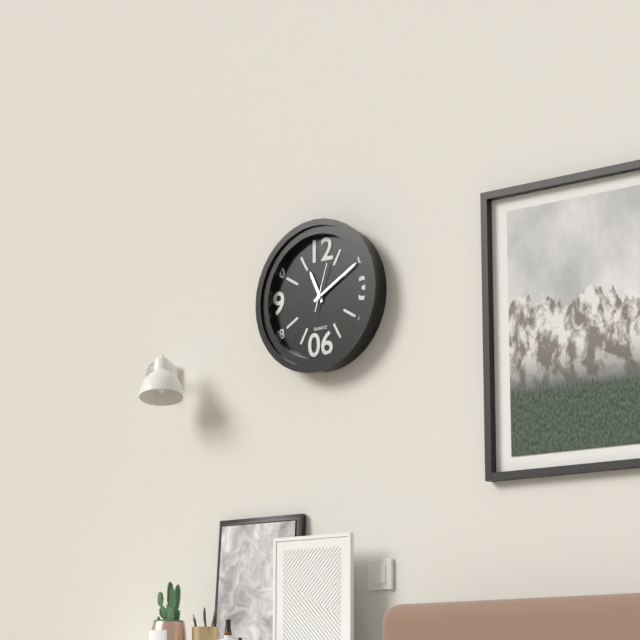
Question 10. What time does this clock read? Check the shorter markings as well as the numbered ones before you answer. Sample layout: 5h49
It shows 11h10
